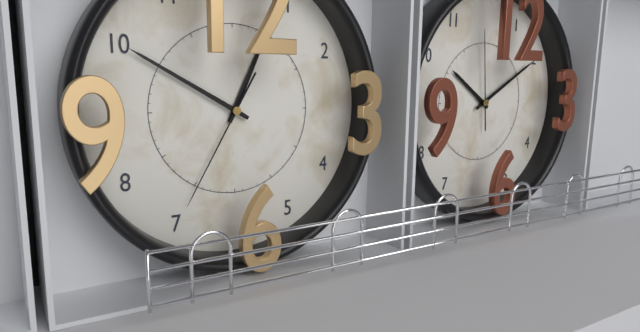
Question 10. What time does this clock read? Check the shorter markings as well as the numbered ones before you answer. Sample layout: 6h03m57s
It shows 12h50m35s
